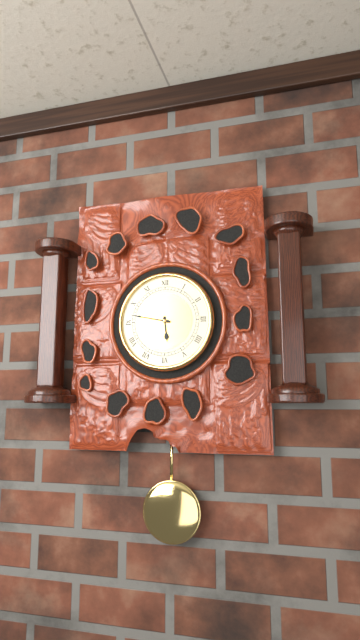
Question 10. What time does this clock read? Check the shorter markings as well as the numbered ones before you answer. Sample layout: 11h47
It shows 5h47
